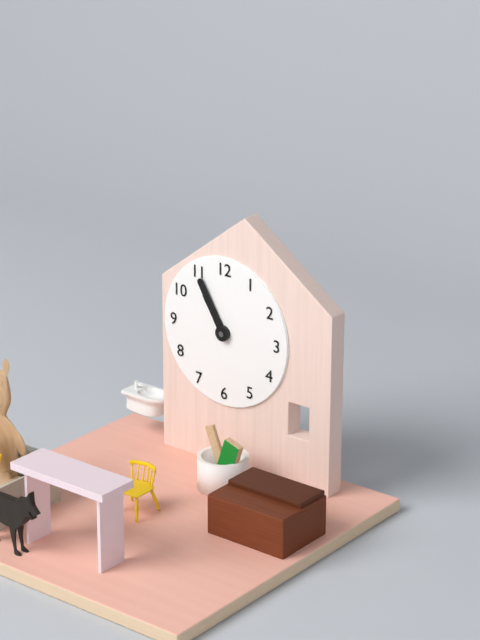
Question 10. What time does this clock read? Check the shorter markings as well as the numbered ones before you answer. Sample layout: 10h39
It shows 10h55
